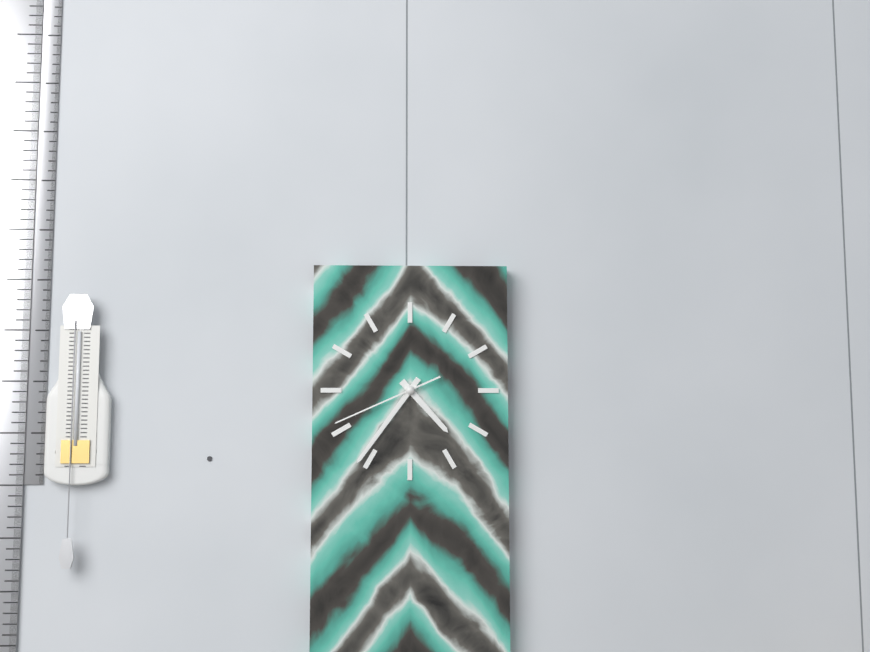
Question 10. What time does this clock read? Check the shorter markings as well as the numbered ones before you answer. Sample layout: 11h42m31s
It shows 4h36m41s
